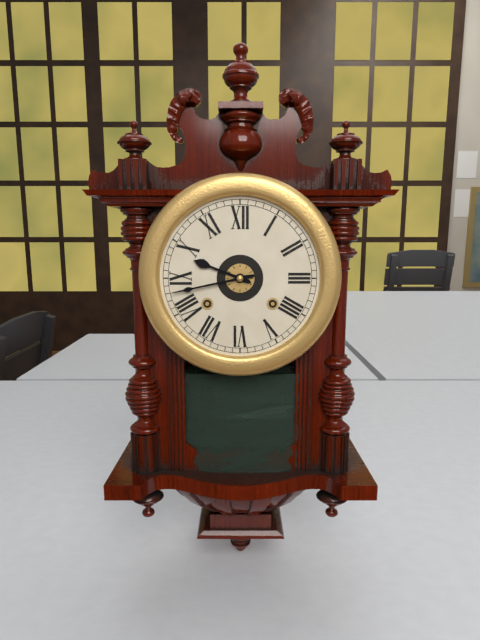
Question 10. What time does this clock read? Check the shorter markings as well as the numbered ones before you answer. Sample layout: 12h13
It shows 9h43
